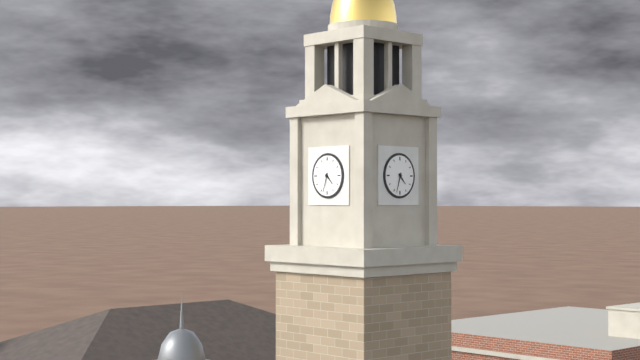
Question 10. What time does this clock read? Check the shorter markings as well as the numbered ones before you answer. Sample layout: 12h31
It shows 4h33
